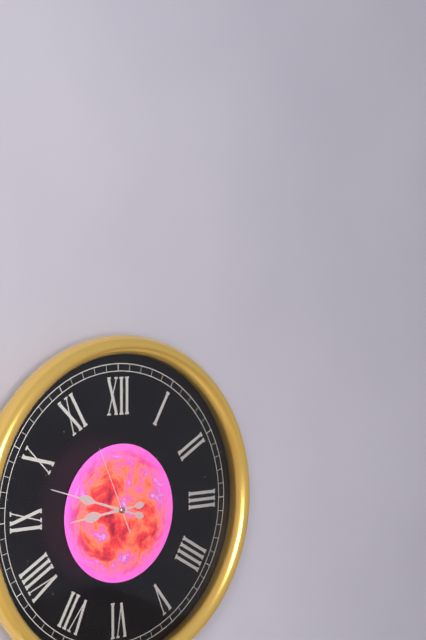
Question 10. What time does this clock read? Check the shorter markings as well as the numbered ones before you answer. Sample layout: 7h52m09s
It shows 8h48m56s
